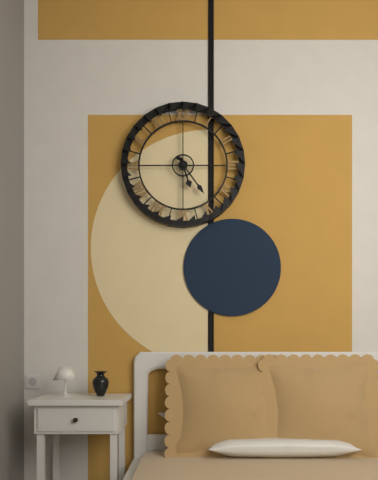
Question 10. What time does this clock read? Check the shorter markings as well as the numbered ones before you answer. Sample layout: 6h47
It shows 5h24
